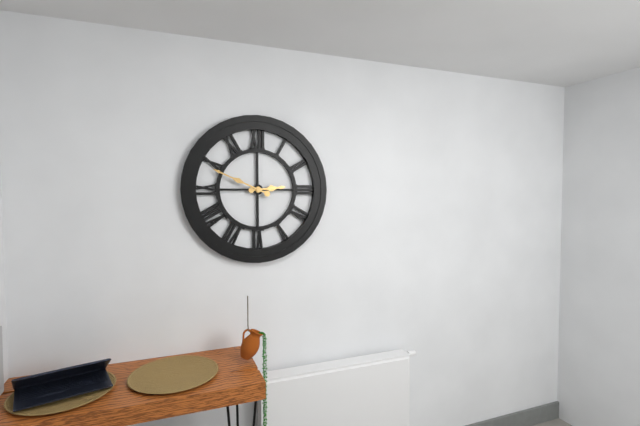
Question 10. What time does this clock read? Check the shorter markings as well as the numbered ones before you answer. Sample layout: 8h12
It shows 2h49
